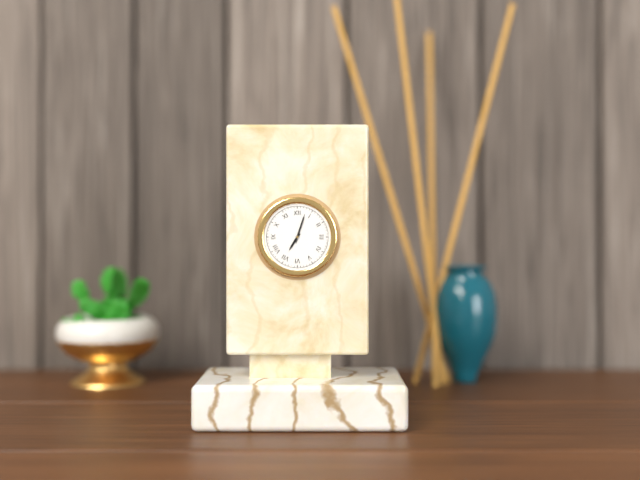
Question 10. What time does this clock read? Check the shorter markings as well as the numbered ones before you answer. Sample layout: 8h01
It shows 7h03
